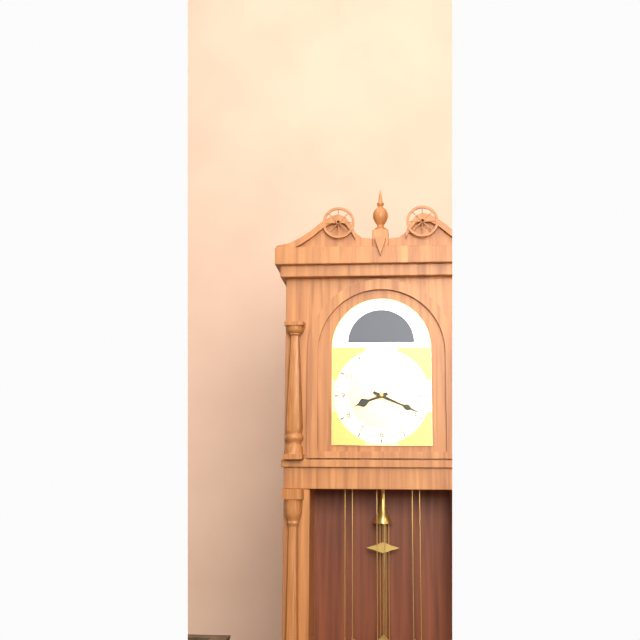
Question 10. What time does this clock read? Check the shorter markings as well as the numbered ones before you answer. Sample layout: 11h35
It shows 8h19
